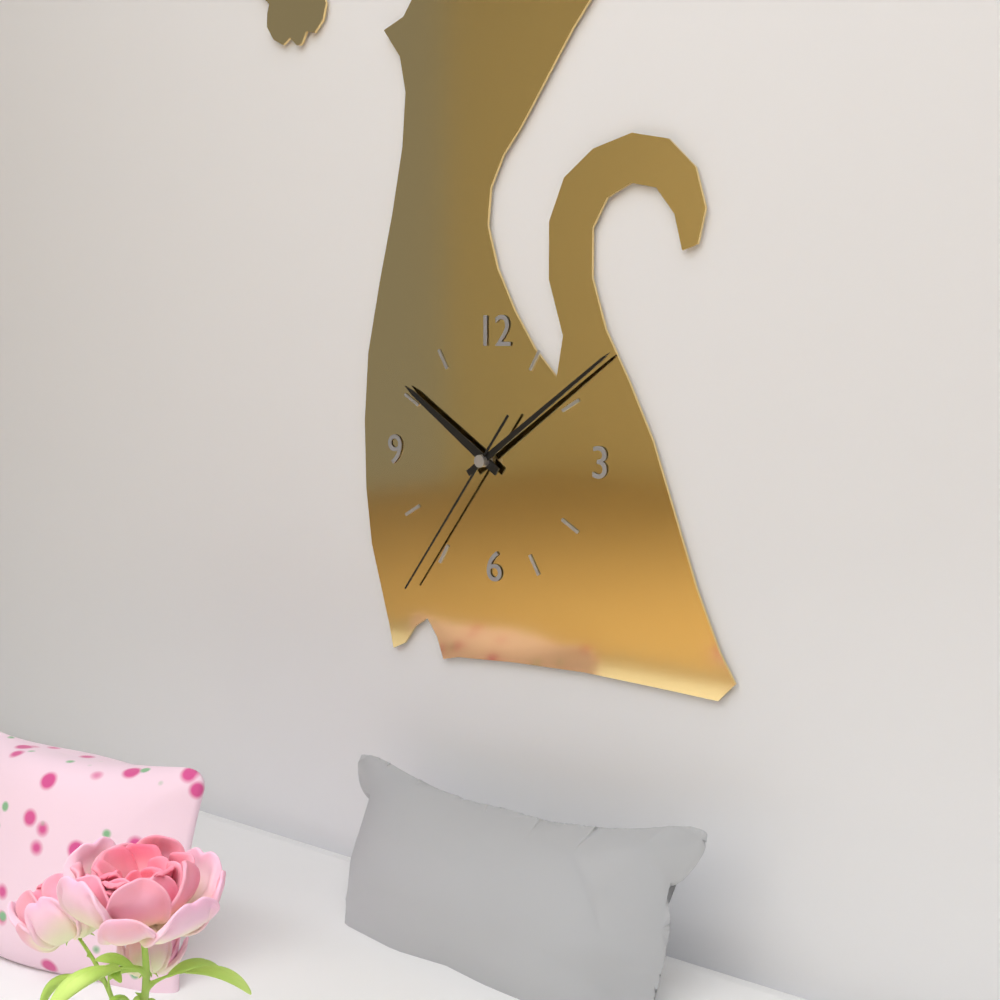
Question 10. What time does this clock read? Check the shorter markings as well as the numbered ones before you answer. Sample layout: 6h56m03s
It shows 10h09m36s
